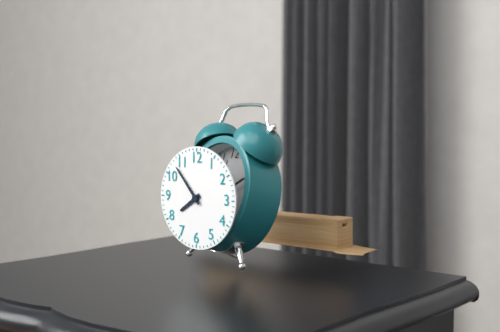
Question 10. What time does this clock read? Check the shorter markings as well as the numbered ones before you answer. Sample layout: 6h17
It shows 7h53
